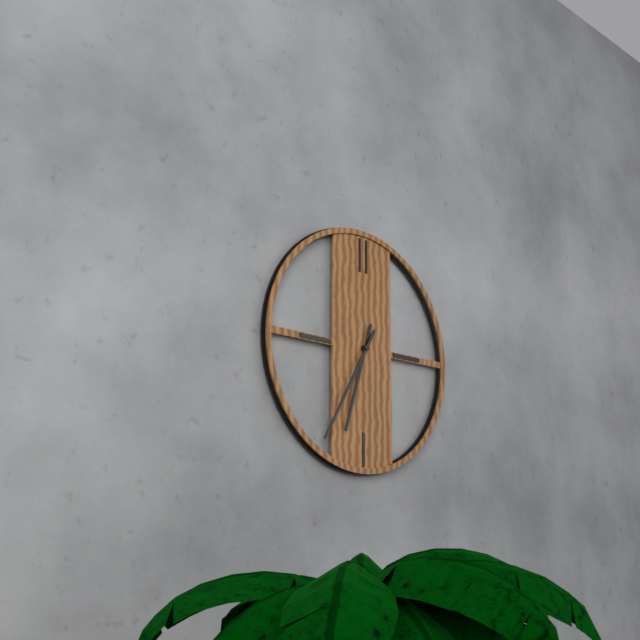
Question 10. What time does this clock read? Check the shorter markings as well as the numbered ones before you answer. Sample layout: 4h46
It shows 6h35
